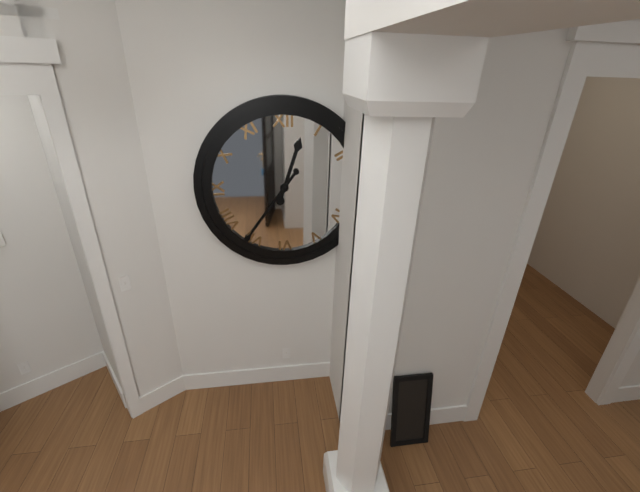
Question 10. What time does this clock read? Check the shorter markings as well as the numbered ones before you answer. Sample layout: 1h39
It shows 12h36
